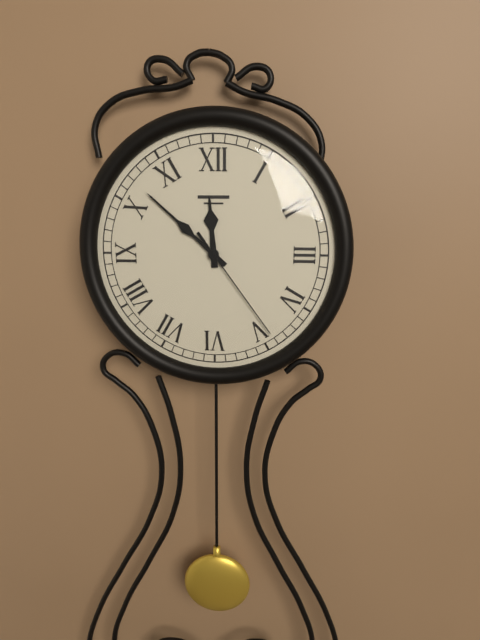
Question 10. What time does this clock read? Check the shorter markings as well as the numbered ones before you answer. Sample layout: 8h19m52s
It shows 11h52m24s
